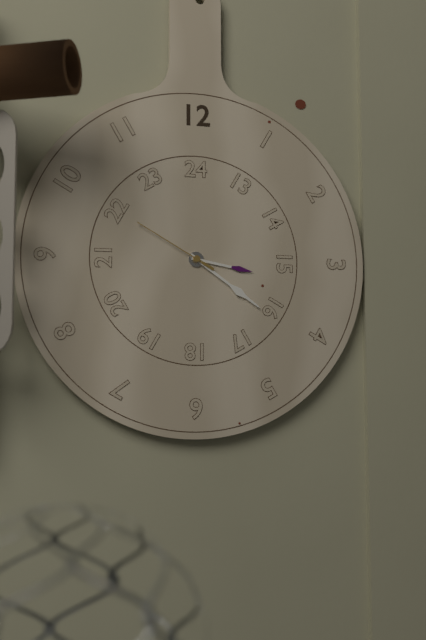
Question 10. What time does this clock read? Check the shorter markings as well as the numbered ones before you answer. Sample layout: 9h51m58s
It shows 3h21m50s
